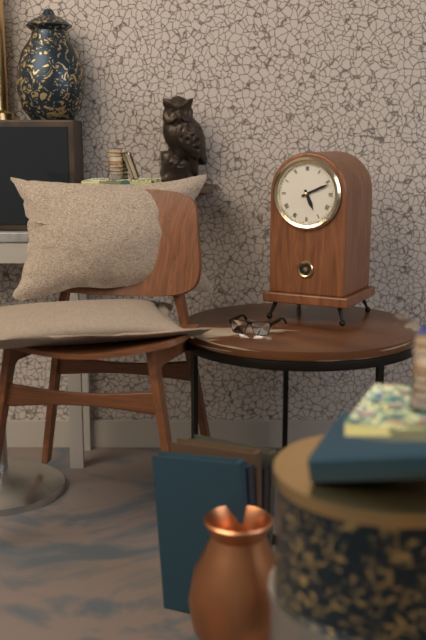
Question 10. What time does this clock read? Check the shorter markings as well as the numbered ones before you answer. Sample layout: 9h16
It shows 5h11
